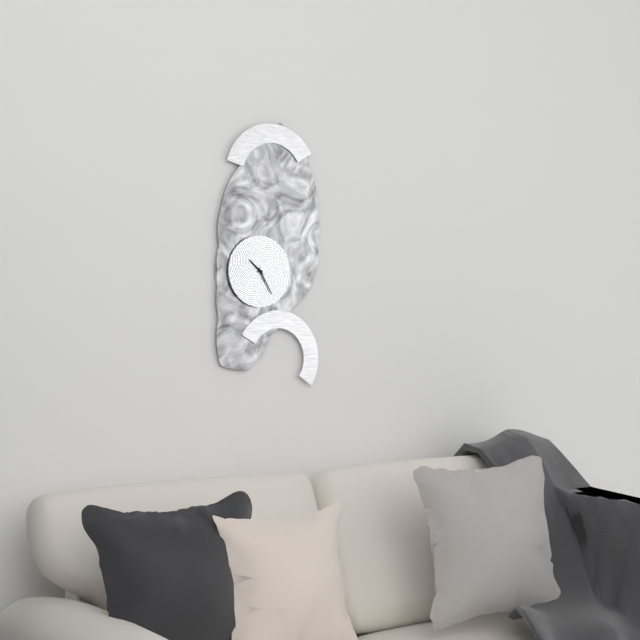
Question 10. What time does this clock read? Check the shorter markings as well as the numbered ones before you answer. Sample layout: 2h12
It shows 10h25
